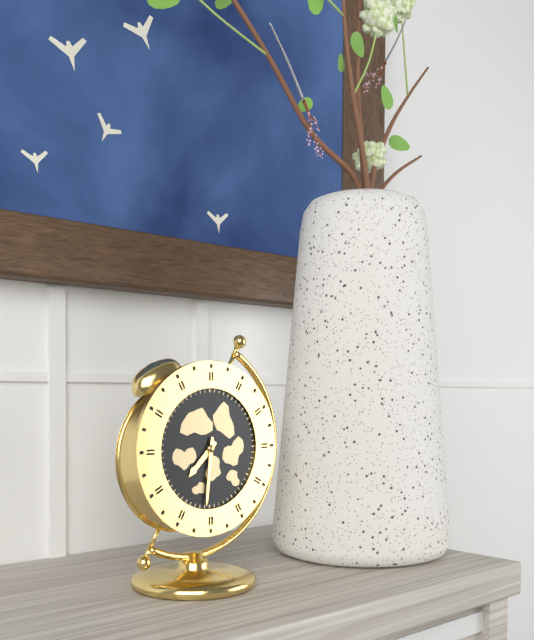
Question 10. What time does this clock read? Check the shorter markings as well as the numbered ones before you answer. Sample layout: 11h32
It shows 7h31
